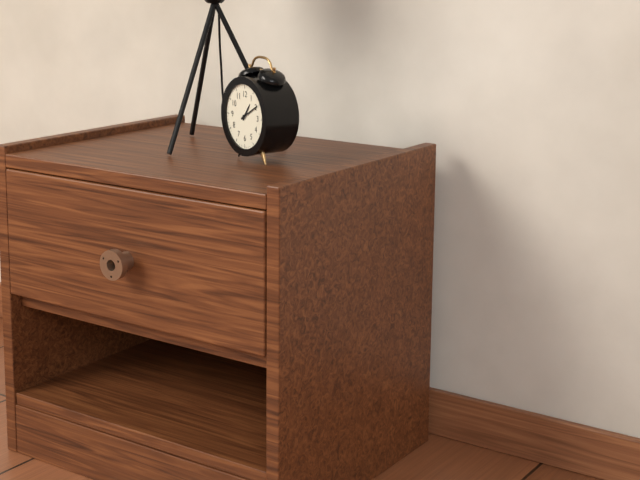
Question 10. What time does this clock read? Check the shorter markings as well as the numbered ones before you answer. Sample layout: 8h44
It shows 1h10
